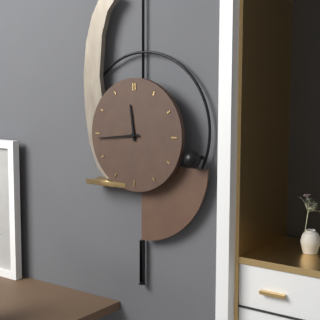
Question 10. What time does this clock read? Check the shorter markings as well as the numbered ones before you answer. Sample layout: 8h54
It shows 11h44
